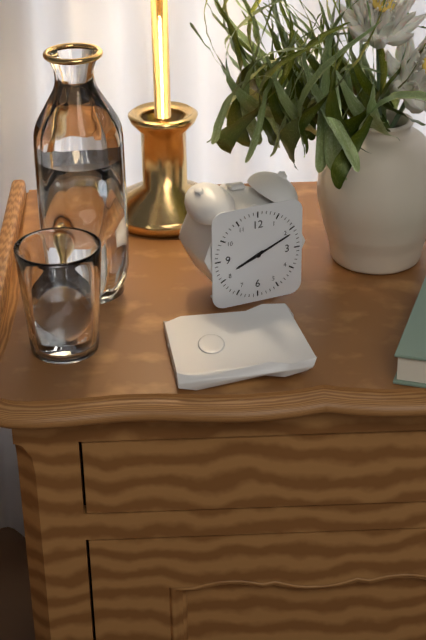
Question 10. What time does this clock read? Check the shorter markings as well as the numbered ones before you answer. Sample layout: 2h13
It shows 8h11
